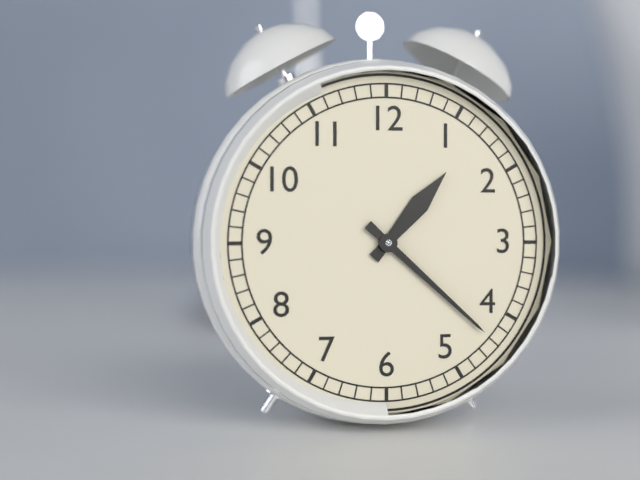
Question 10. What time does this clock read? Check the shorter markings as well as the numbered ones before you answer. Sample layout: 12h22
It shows 1h22
